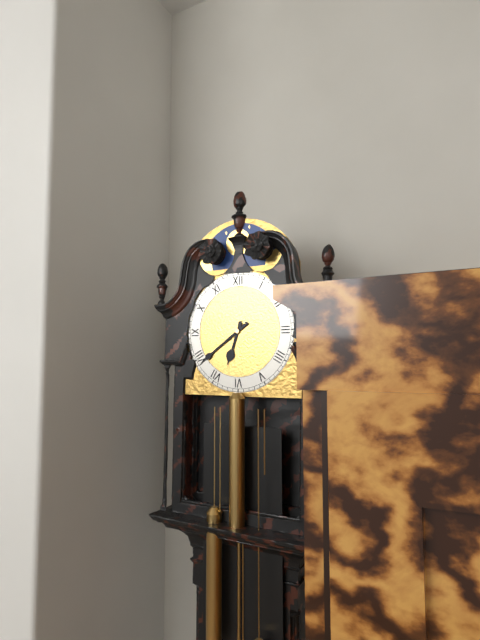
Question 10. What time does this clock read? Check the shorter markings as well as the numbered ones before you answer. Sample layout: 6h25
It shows 6h39
